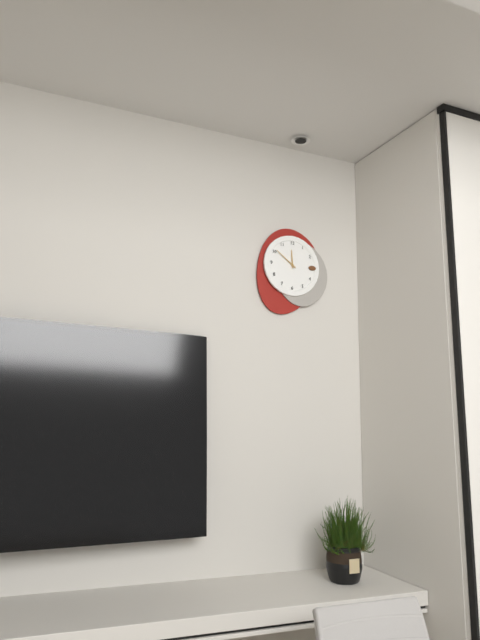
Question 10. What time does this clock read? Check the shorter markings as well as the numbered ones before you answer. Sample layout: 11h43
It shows 11h51
